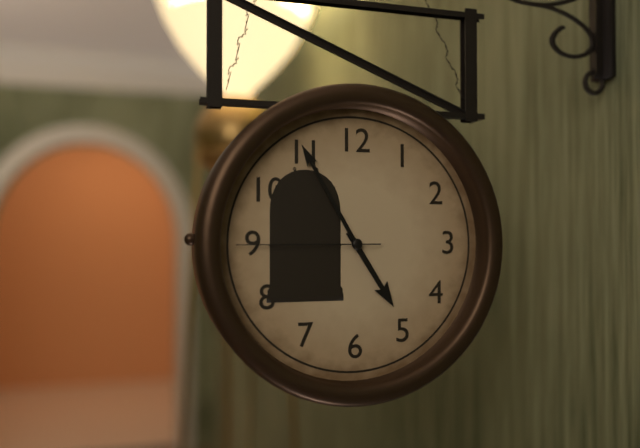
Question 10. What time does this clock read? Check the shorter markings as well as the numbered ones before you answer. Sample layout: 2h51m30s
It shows 4h55m45s
